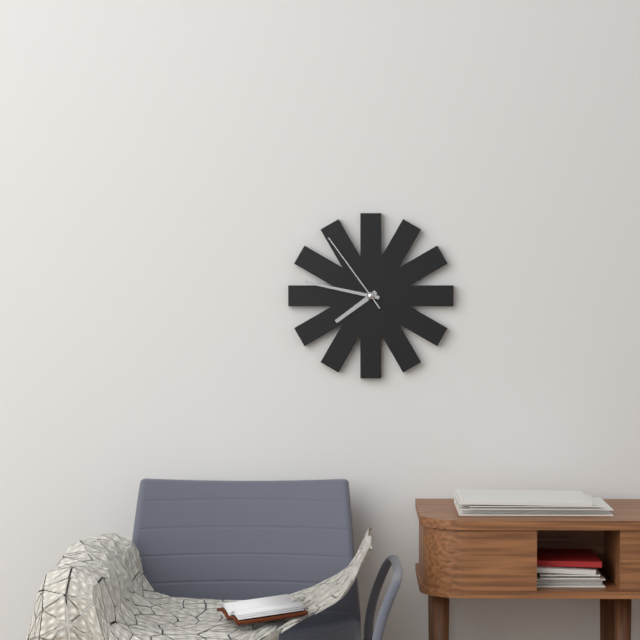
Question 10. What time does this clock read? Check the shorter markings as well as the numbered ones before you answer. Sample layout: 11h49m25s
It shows 7h47m54s
